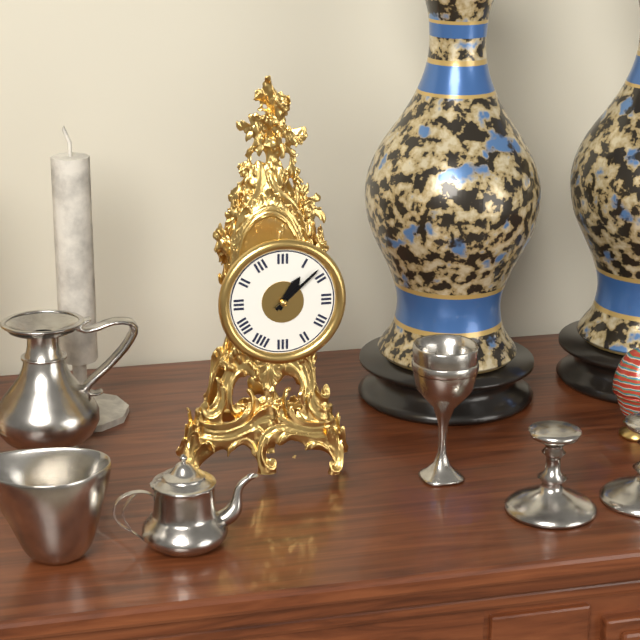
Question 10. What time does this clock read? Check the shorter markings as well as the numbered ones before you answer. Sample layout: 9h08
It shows 1h08
